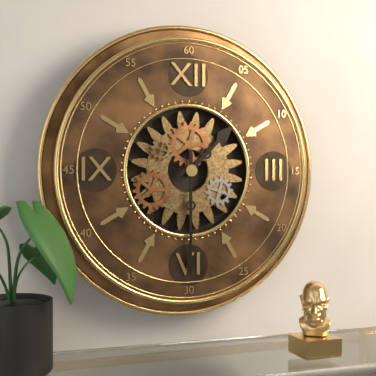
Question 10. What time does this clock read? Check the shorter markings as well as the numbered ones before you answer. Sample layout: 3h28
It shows 1h30
